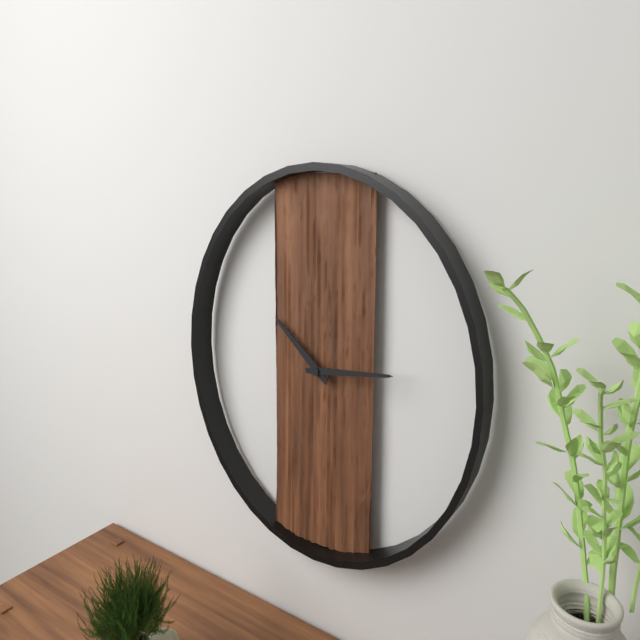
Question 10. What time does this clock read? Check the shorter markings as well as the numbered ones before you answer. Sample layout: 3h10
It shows 10h14
